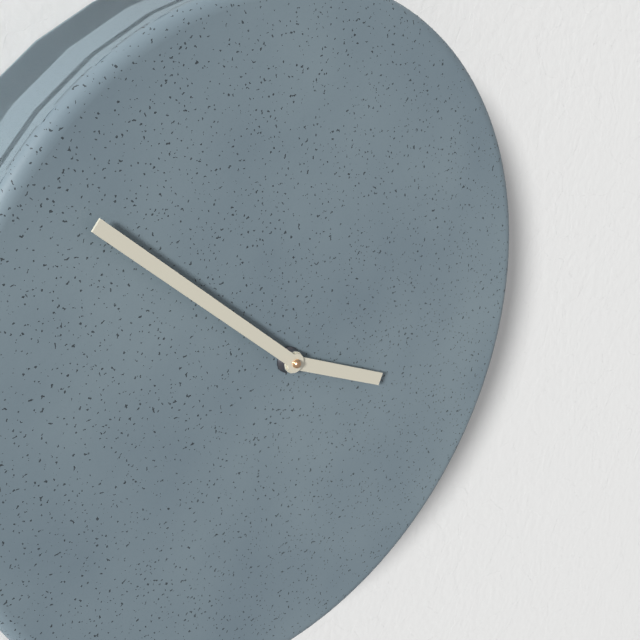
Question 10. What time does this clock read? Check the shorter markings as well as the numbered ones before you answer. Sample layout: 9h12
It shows 3h52
